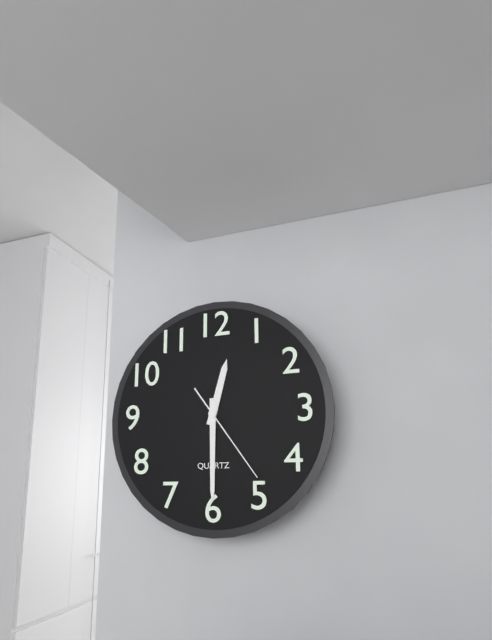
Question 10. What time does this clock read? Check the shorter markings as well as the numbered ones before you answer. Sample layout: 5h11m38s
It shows 12h30m24s
